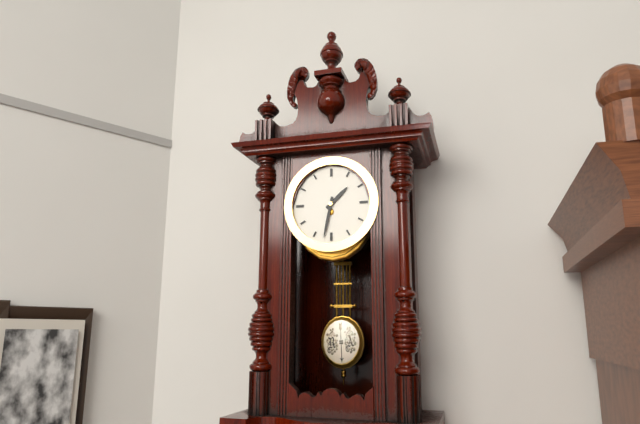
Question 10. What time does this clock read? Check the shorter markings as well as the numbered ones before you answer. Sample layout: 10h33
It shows 1h32
